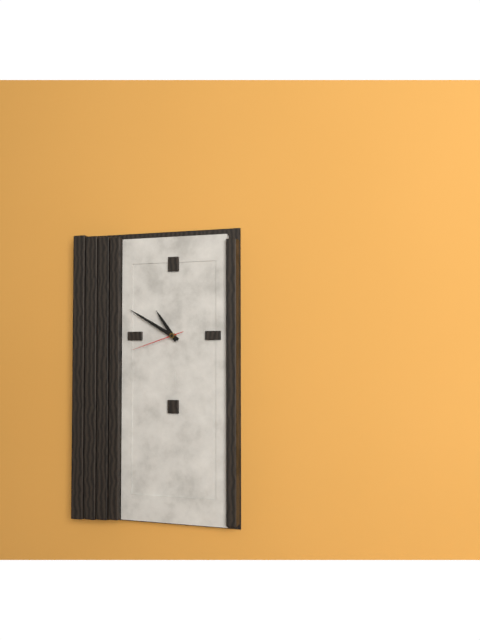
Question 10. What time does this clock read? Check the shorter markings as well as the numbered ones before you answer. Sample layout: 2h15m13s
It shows 10h50m42s
